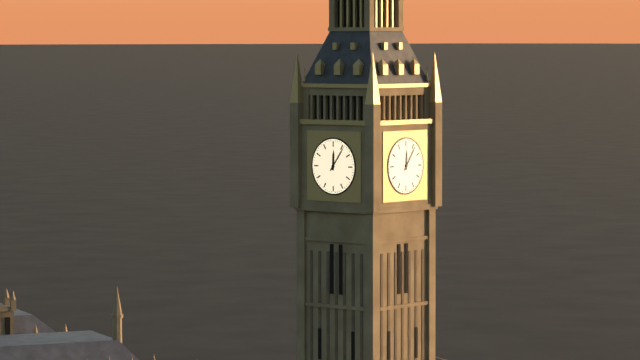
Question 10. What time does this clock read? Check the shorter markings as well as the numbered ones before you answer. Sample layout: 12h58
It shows 12h06
